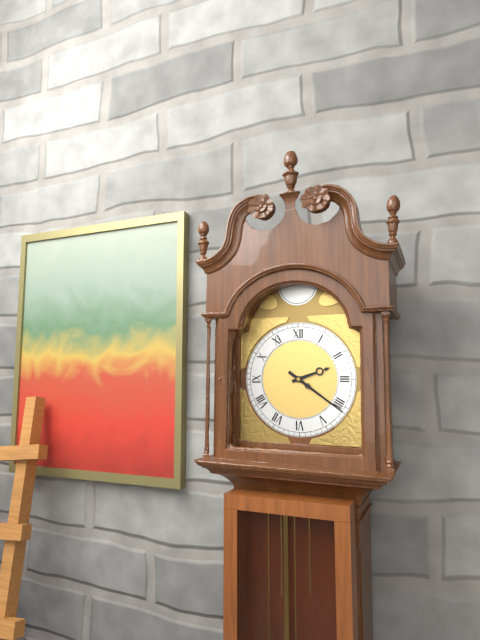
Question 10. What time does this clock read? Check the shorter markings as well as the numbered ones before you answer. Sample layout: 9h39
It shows 2h21
